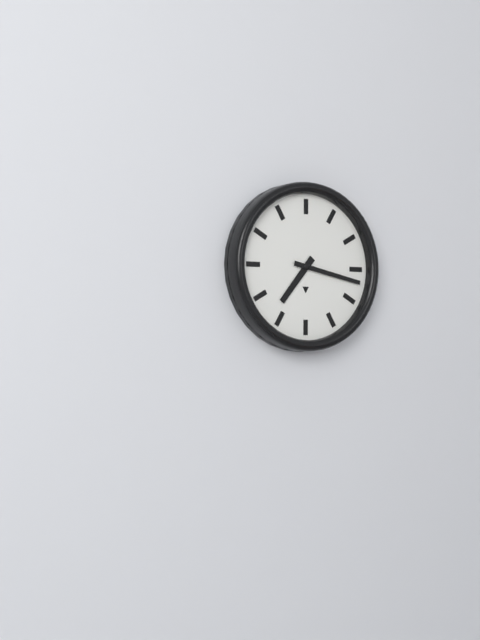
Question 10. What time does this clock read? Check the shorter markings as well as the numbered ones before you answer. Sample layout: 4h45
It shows 7h17
